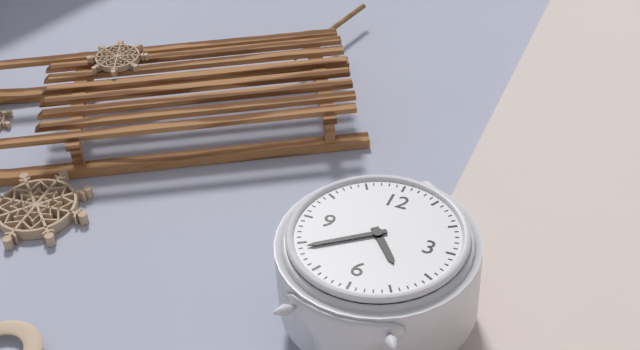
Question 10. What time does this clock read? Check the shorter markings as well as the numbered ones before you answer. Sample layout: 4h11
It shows 4h39
